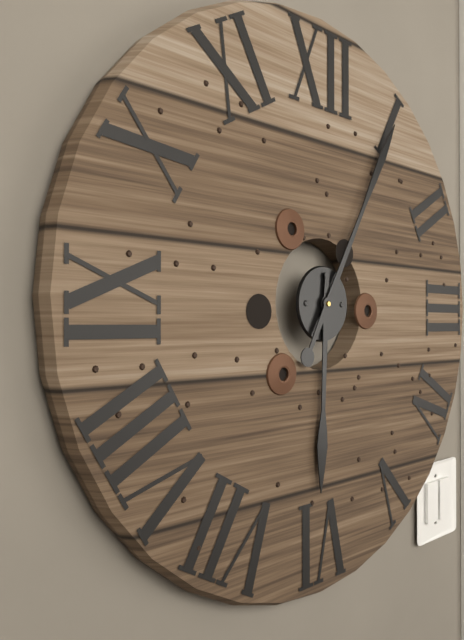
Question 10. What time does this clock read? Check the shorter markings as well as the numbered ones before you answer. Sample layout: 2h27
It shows 6h05
